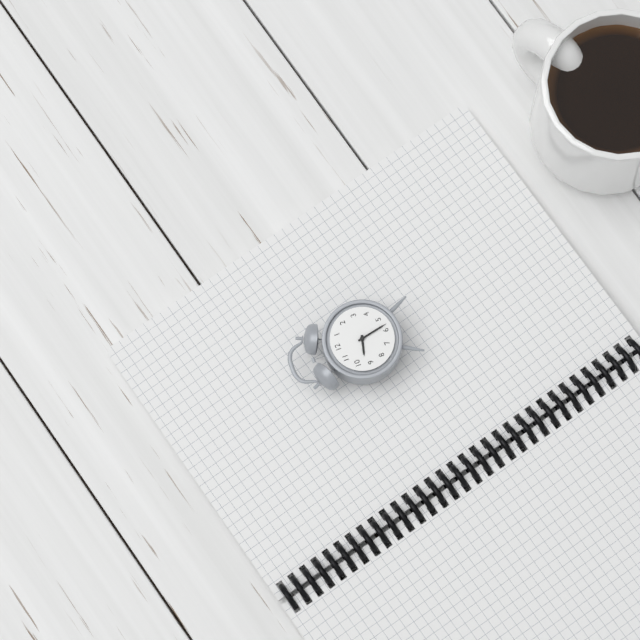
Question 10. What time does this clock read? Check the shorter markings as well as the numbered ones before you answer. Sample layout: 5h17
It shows 9h28
